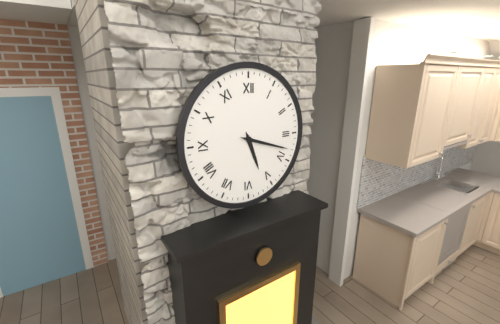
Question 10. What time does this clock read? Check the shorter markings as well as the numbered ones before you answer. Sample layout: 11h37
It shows 5h18
